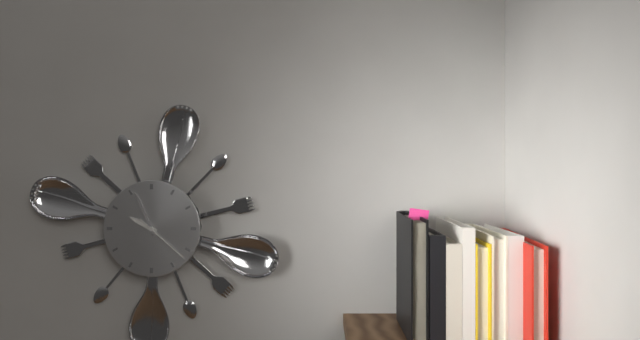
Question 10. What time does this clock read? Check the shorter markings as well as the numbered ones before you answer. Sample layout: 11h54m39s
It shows 9h56m22s
